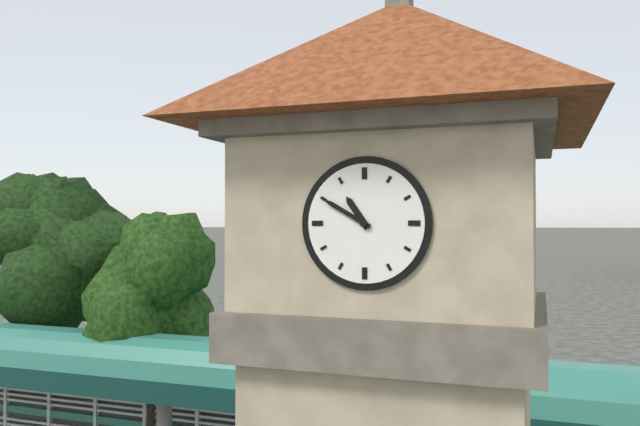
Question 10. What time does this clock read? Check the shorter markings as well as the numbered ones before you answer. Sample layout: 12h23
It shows 10h50
